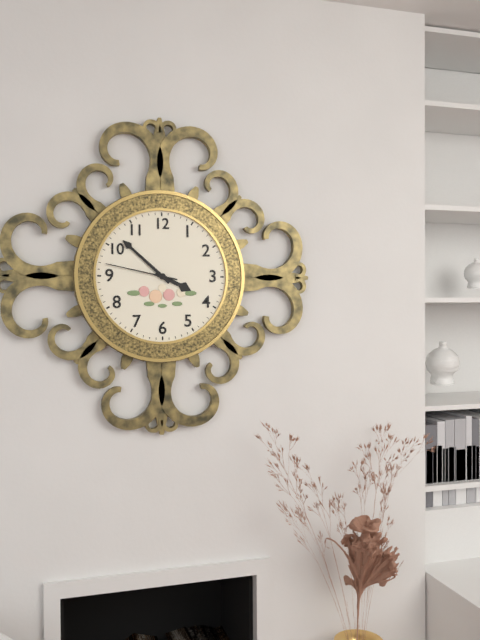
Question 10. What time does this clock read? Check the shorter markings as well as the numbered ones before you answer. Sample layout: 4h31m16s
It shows 3h52m47s
